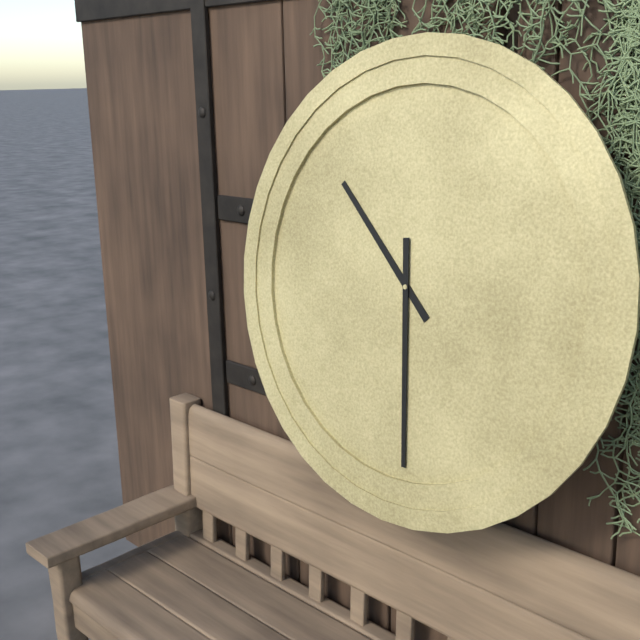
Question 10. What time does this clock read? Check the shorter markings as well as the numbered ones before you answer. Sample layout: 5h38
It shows 10h29
